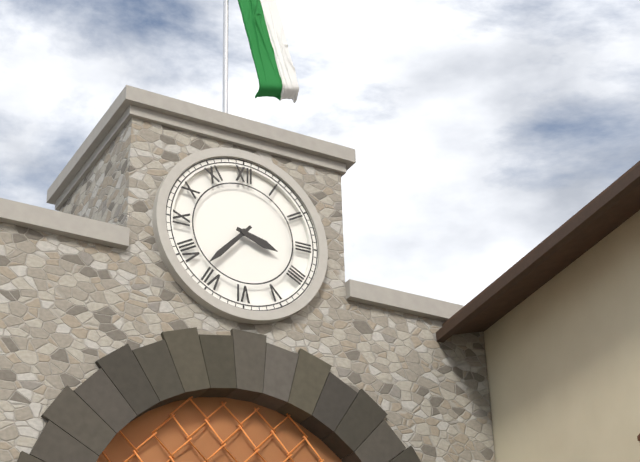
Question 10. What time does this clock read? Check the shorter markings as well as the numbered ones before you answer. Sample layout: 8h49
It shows 3h37
